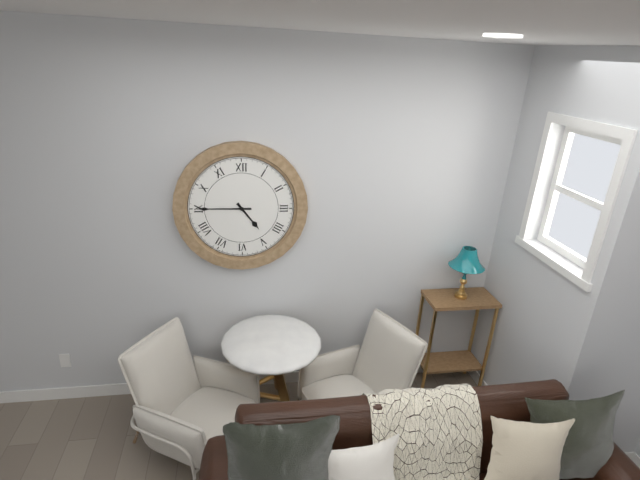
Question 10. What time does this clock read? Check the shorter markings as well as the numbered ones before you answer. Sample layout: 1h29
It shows 4h45
